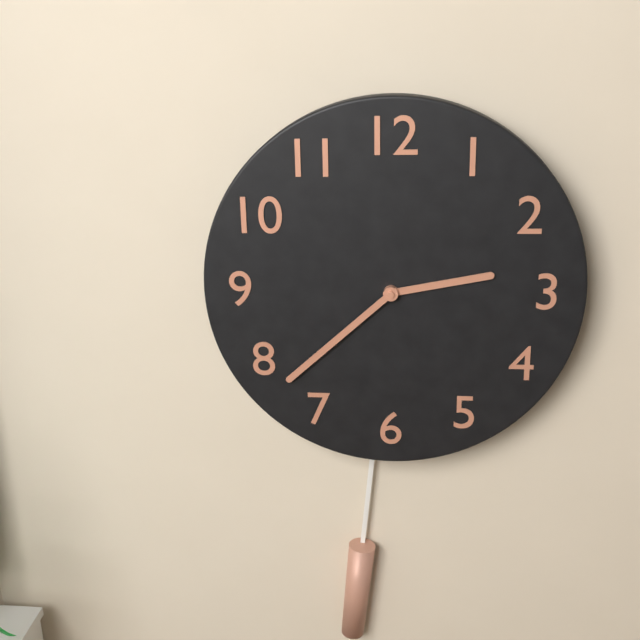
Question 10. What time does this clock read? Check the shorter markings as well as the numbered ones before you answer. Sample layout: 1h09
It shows 2h38
